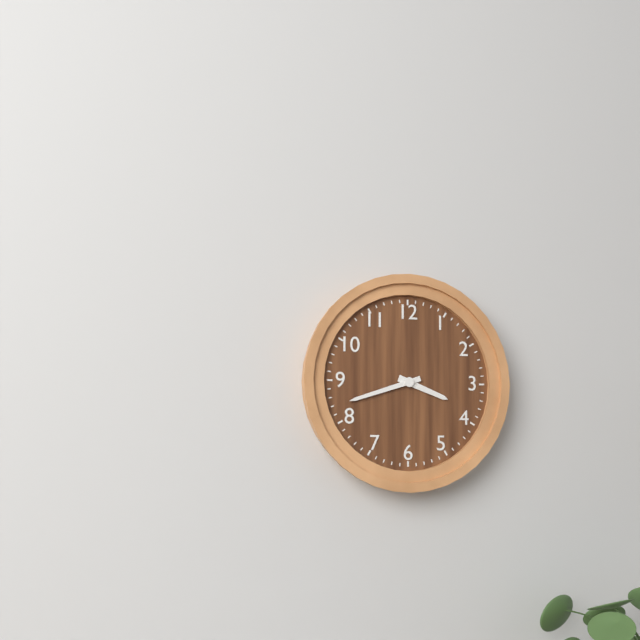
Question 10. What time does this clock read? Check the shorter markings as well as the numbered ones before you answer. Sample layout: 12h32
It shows 3h42
